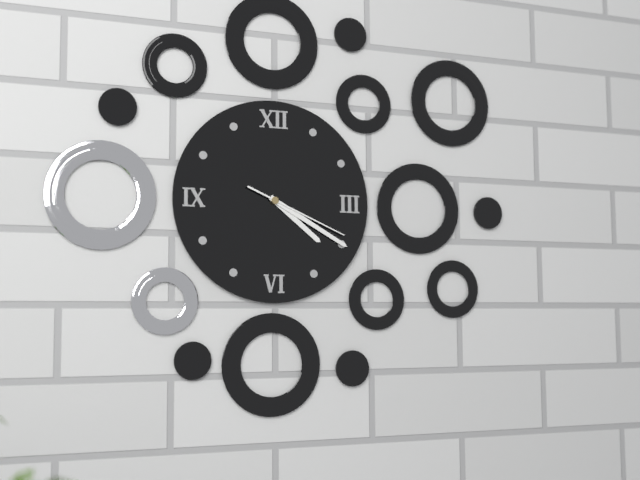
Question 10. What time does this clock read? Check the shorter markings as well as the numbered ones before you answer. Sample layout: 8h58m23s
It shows 4h20m19s
